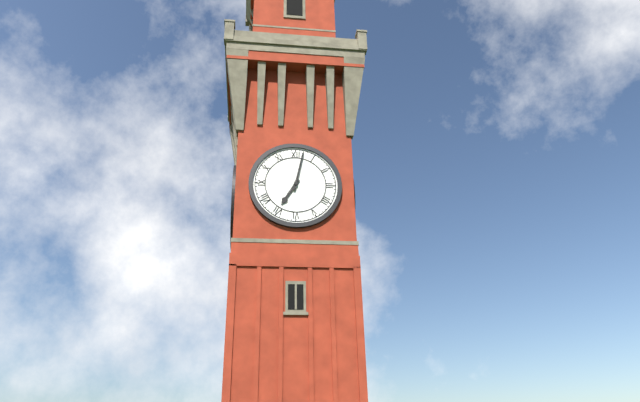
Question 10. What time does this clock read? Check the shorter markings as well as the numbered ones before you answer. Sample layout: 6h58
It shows 7h02
